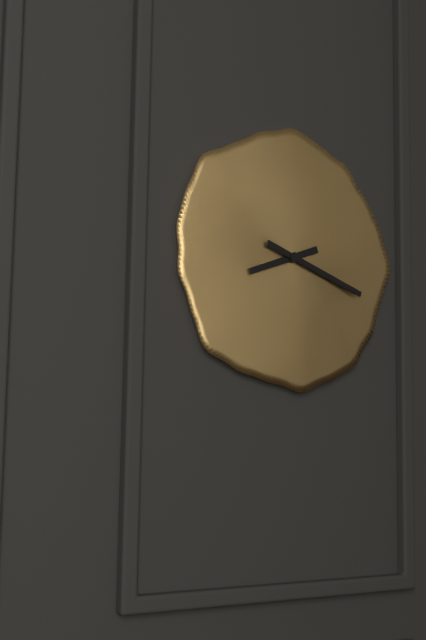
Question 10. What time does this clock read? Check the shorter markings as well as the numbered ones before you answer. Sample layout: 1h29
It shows 8h18
